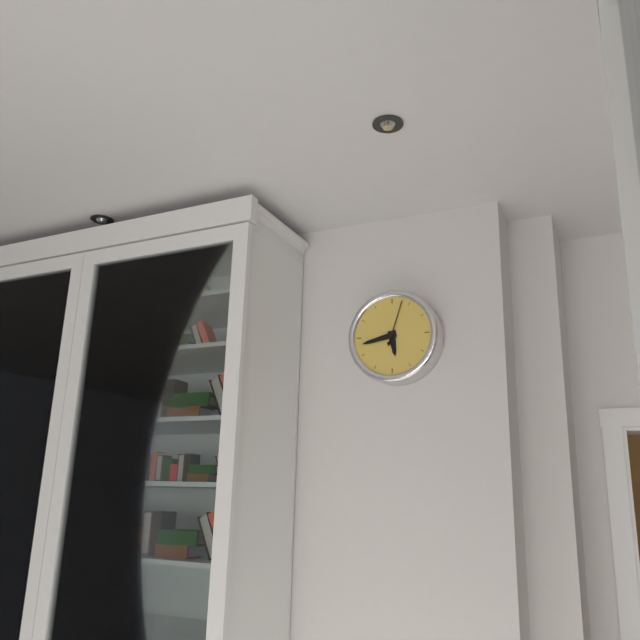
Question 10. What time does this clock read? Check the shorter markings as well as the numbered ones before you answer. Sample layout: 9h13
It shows 5h43
